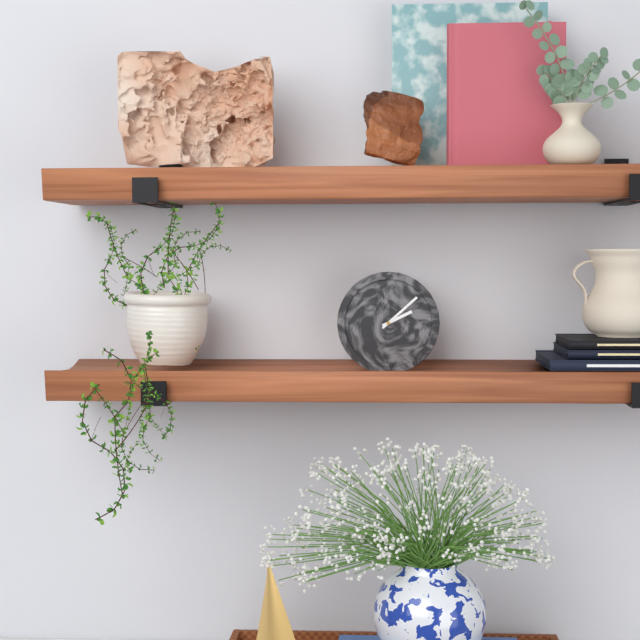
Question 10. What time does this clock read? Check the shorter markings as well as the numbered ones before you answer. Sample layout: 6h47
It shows 2h08
